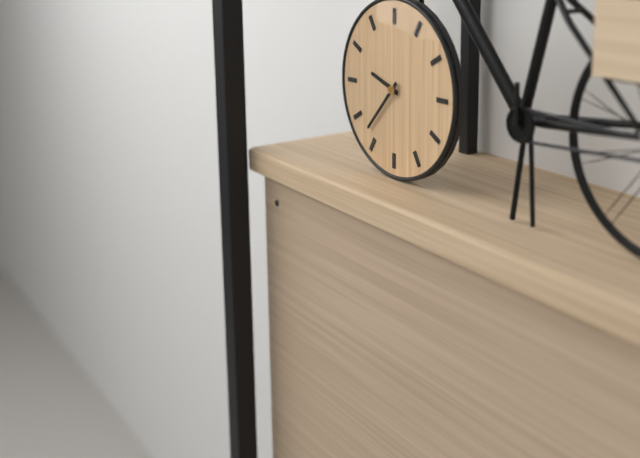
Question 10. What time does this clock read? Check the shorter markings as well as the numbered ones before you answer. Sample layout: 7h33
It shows 9h37
